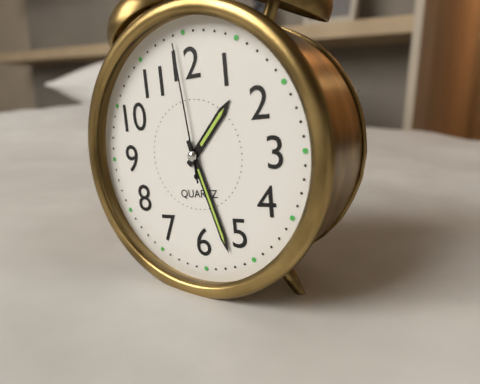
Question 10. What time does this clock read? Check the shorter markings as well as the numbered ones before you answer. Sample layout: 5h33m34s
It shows 1h27m59s
